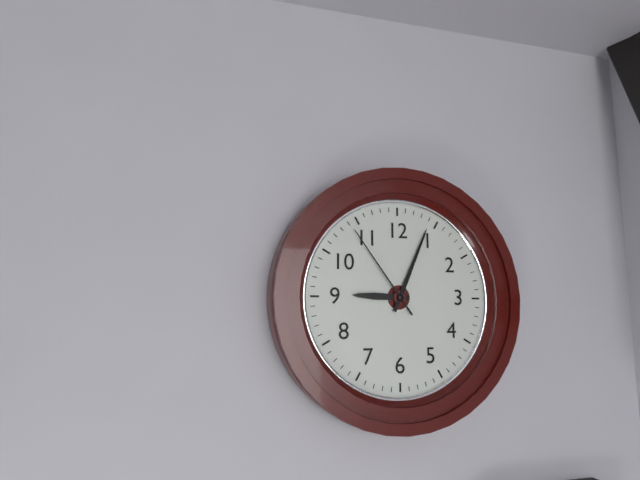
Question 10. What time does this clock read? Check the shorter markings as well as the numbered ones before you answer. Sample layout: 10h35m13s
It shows 9h04m54s
